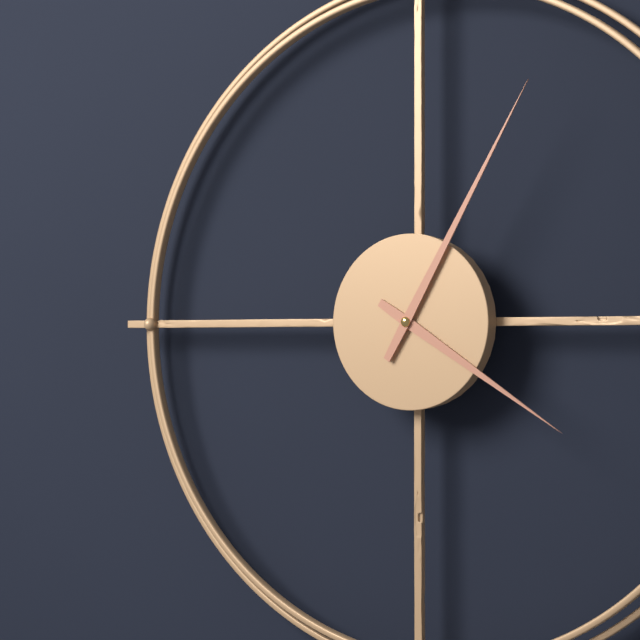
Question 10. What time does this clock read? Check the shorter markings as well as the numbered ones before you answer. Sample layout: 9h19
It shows 4h05
